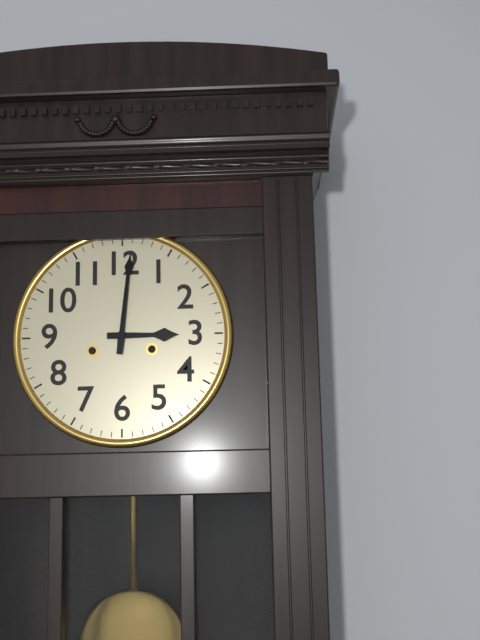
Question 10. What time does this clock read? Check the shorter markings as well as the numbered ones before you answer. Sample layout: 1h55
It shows 3h01
